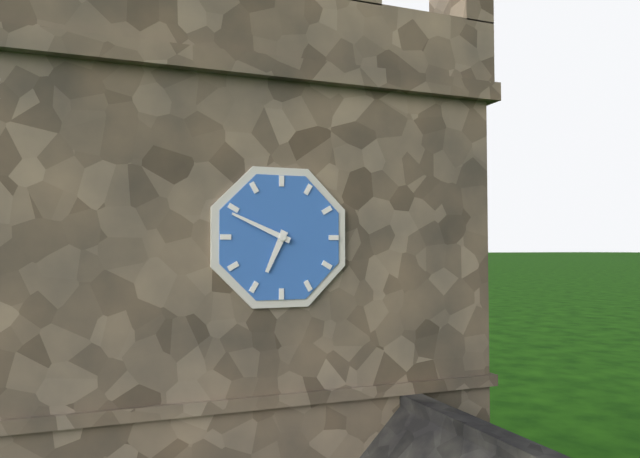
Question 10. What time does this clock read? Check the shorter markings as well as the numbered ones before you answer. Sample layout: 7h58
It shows 6h49
